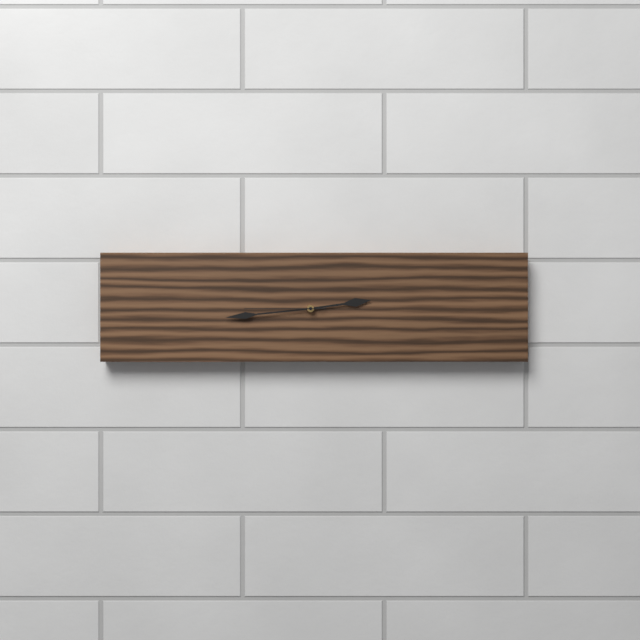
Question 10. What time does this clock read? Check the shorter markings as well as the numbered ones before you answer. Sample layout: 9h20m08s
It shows 2h44m45s
